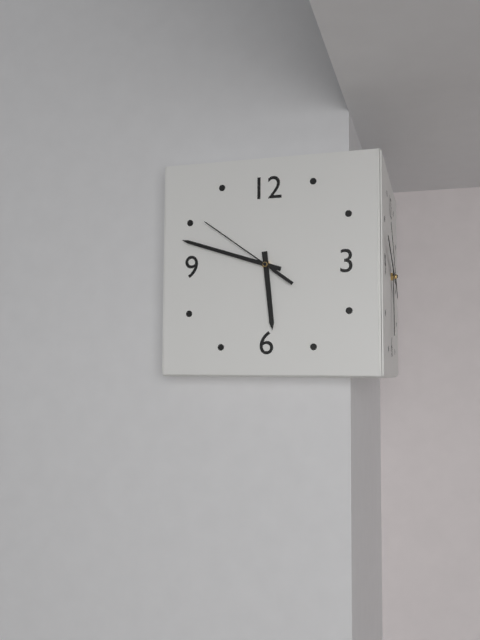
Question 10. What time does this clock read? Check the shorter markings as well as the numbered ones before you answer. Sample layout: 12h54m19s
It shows 5h48m51s
